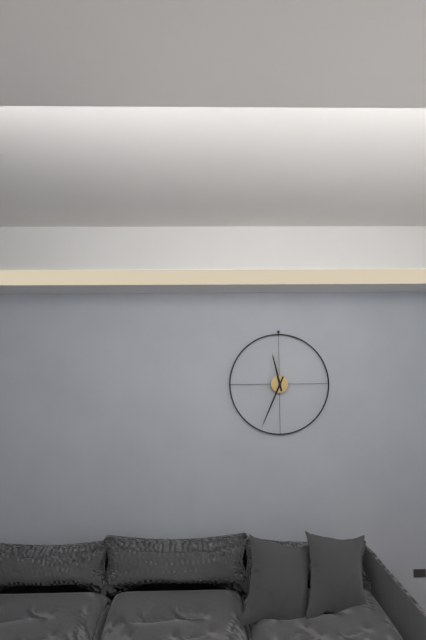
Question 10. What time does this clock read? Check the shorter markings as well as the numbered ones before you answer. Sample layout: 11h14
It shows 11h34
